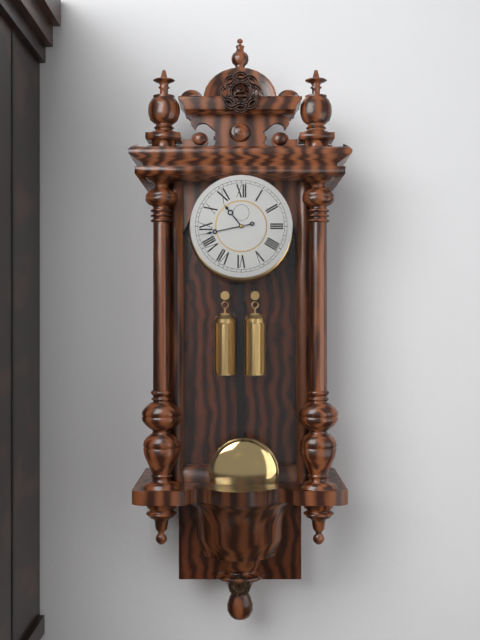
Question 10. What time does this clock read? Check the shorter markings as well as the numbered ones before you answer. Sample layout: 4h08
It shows 10h43
